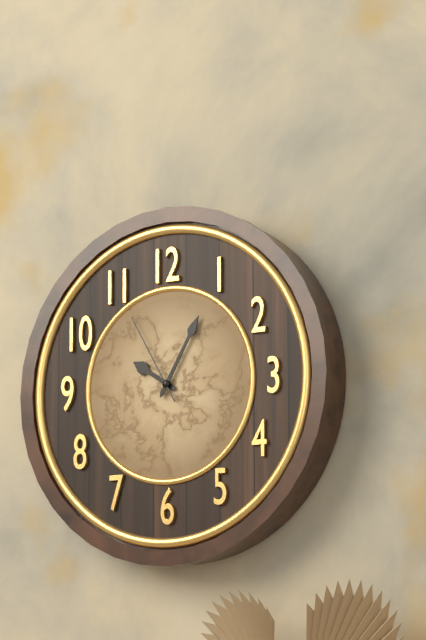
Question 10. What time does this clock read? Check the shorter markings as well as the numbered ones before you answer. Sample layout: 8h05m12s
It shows 10h05m55s
